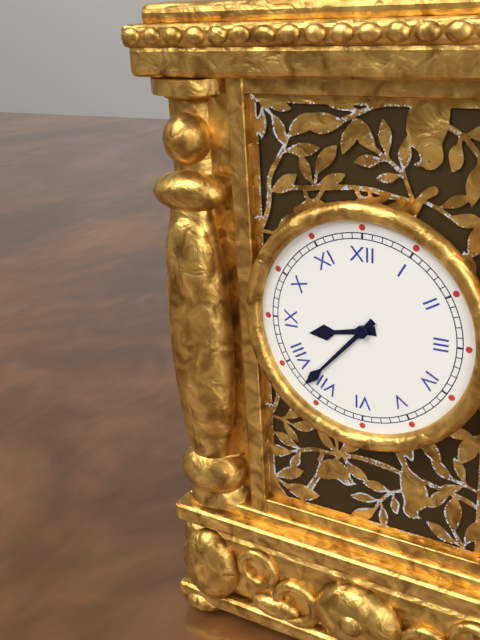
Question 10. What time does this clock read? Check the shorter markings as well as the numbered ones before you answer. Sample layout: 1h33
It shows 8h37
